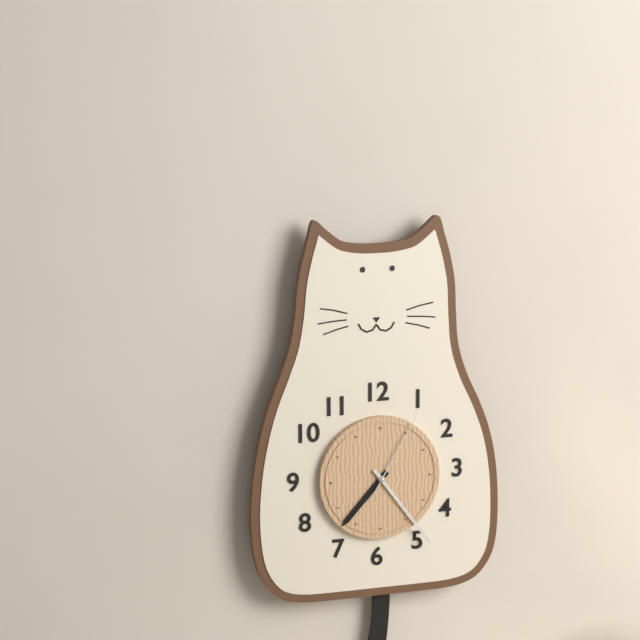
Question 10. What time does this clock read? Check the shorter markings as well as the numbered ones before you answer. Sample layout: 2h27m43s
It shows 7h24m05s
